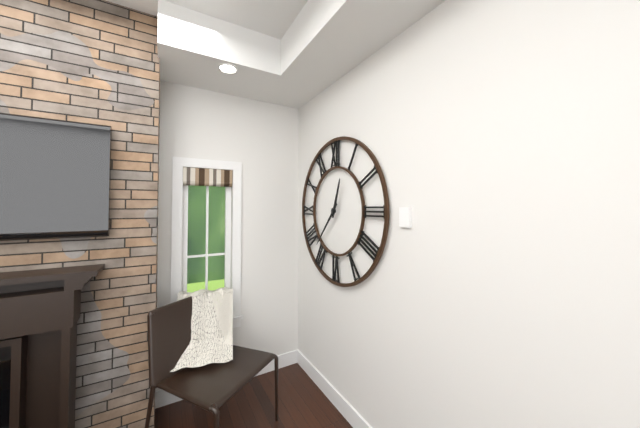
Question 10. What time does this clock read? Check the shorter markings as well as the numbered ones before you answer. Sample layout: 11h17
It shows 12h37
